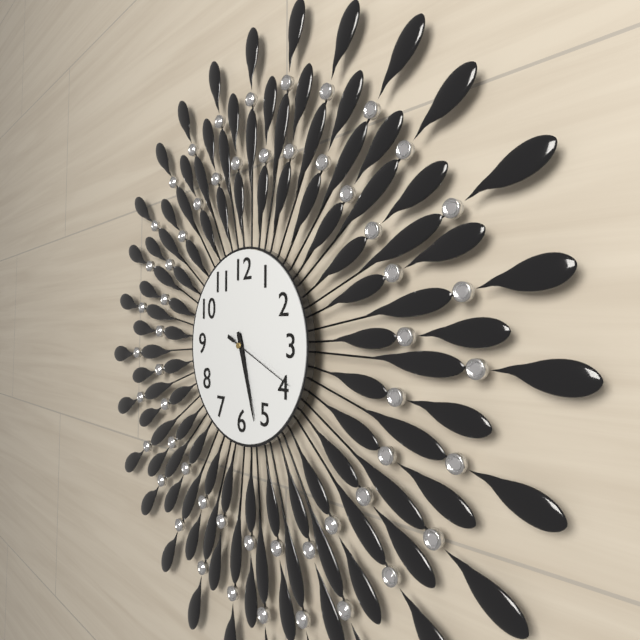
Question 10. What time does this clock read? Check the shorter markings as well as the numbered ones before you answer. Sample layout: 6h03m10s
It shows 5h27m19s
